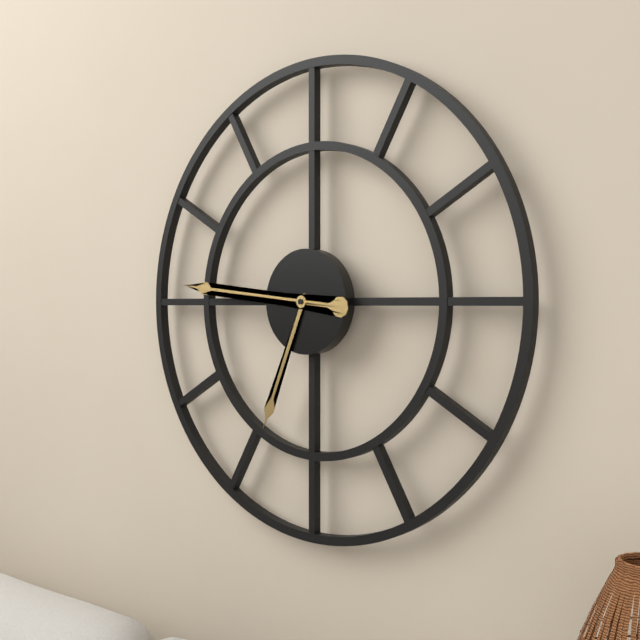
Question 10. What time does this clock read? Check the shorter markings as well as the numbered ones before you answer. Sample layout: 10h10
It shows 6h46
